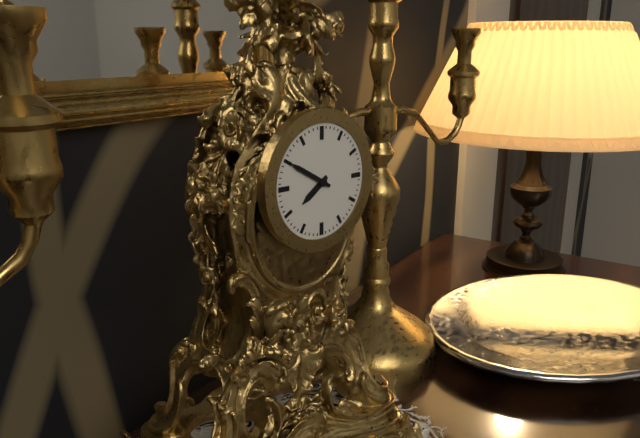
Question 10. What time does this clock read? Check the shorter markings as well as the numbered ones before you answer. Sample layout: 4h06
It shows 7h50
